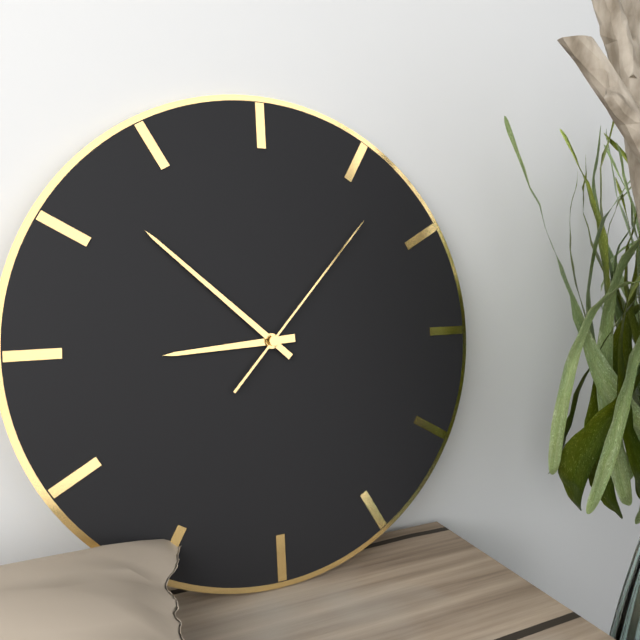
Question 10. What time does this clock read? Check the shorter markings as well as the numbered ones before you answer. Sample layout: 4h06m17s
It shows 8h52m07s
